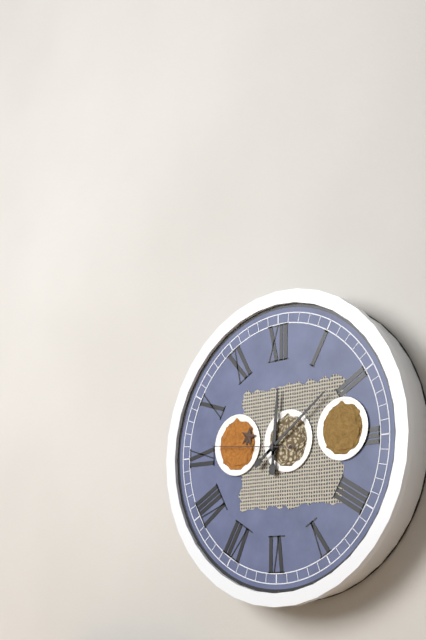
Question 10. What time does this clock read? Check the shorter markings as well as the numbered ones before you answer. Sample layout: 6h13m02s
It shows 12h09m46s
